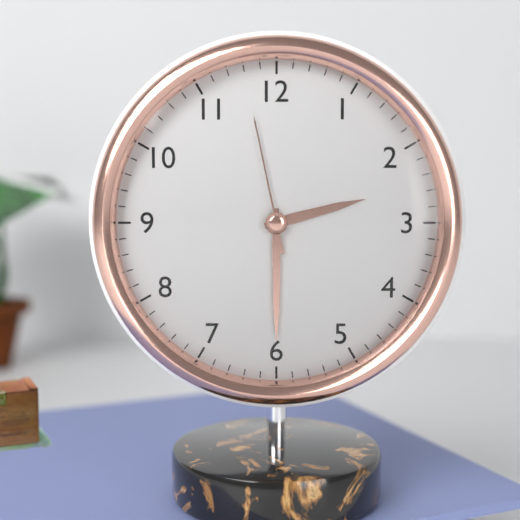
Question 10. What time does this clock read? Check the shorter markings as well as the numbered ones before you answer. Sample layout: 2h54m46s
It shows 2h30m58s
